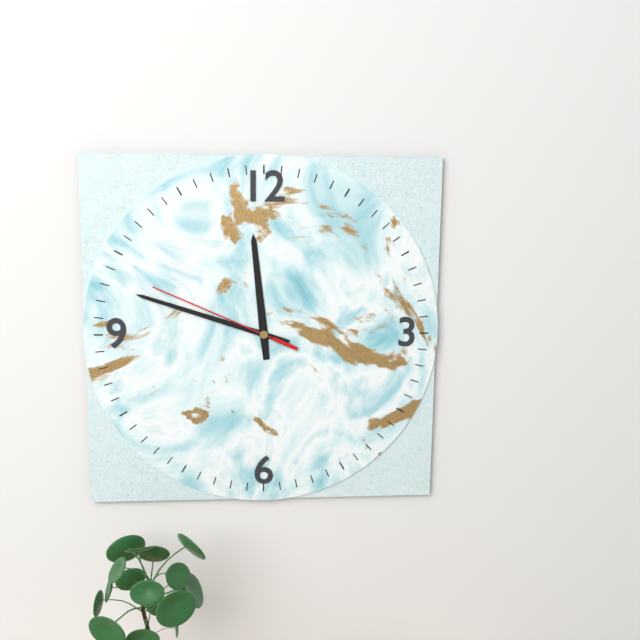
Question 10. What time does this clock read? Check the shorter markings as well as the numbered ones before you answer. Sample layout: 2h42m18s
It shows 11h48m49s
